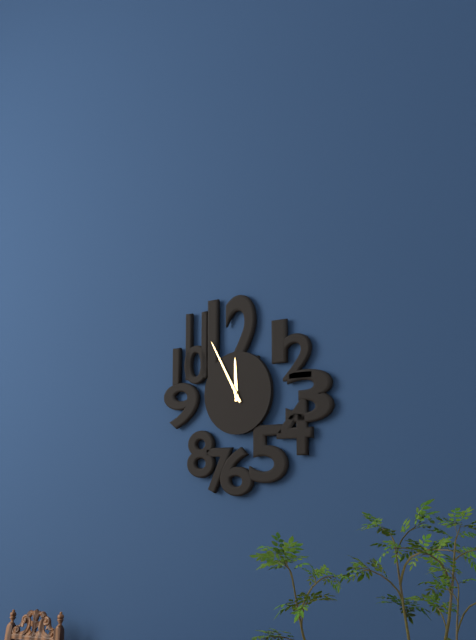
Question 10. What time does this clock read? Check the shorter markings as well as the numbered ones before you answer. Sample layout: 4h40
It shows 11h55
